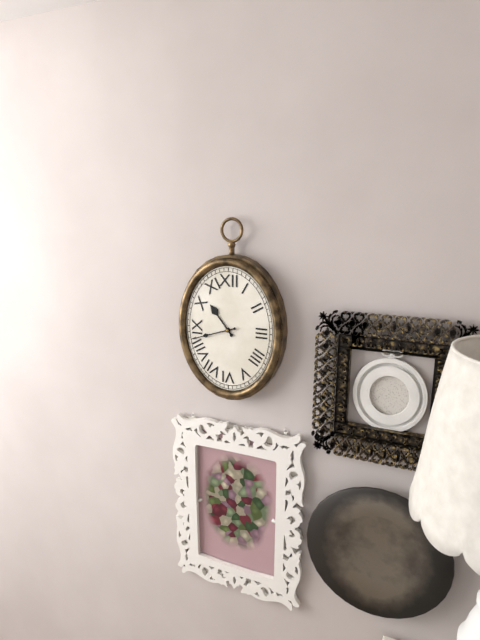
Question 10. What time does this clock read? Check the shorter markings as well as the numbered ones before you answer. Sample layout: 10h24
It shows 10h42
